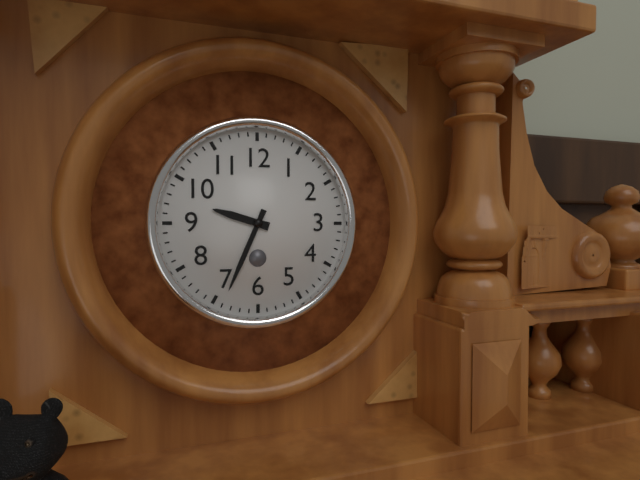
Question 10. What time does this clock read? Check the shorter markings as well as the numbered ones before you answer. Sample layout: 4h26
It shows 9h34
